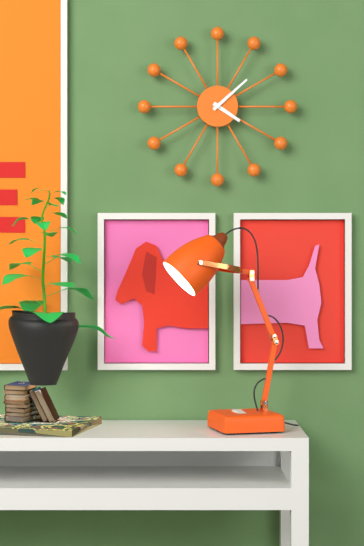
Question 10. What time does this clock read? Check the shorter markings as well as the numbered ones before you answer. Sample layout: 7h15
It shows 4h08
